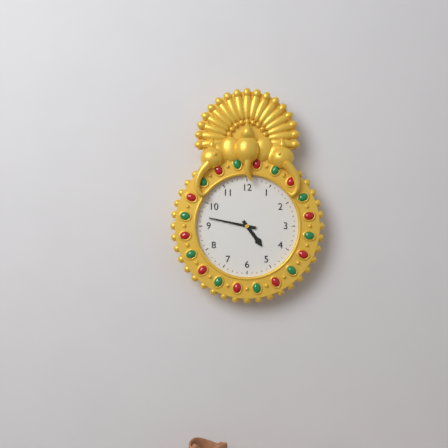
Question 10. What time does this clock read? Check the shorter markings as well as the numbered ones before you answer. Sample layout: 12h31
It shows 4h47
